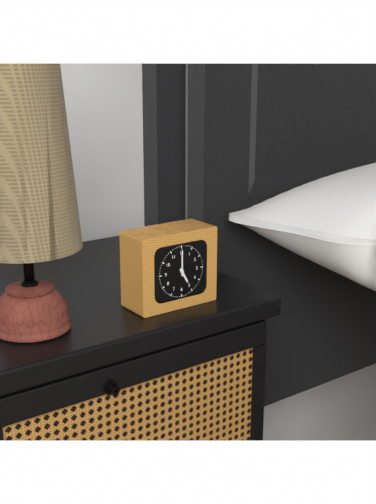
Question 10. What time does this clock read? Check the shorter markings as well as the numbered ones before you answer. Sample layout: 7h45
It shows 5h00
